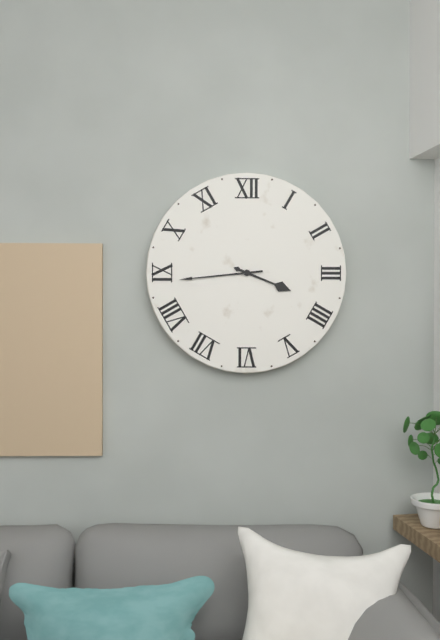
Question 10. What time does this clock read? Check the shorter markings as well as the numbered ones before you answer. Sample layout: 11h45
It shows 3h44
